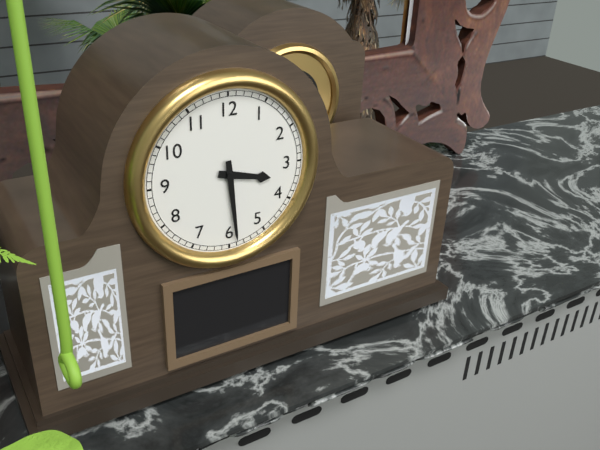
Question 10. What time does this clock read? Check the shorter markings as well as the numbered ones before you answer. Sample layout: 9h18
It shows 3h29
